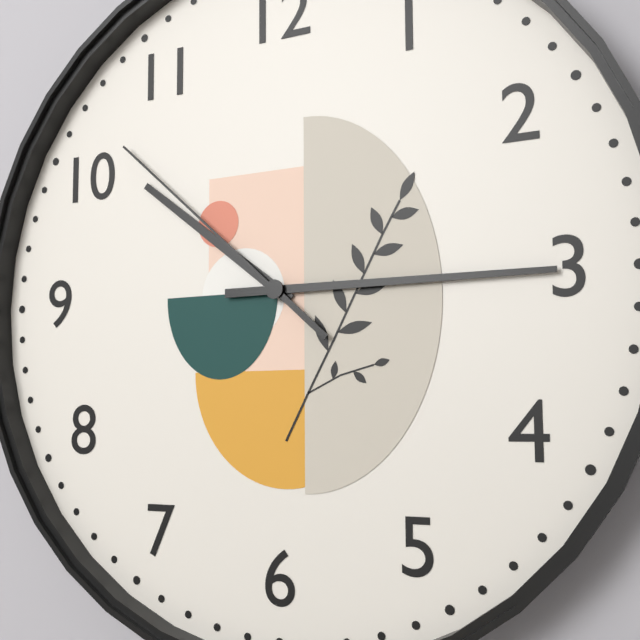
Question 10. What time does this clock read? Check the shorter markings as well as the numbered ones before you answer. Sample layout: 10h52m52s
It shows 10h15m52s
